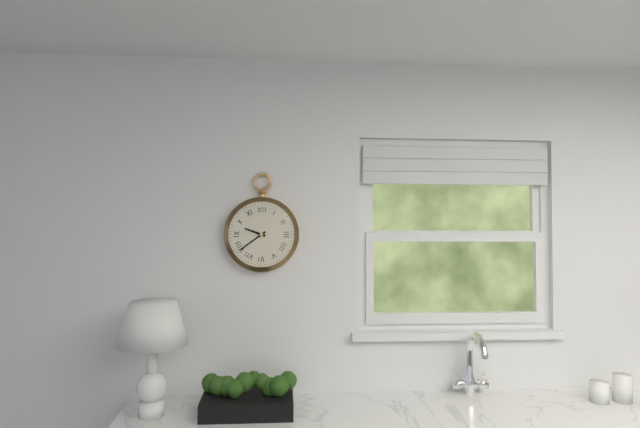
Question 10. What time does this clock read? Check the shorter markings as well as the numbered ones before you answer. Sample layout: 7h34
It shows 9h39
